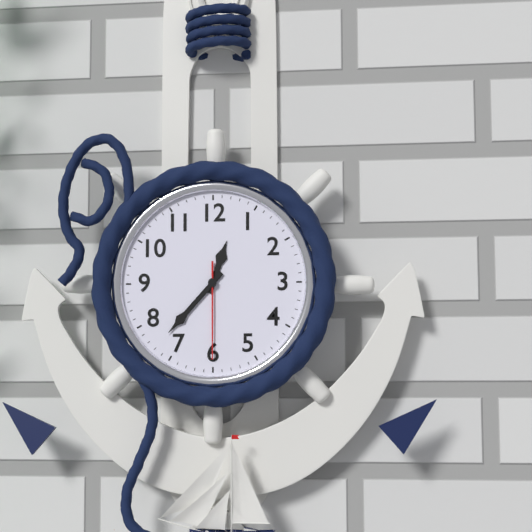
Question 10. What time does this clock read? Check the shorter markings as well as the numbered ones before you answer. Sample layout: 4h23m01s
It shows 12h37m30s
